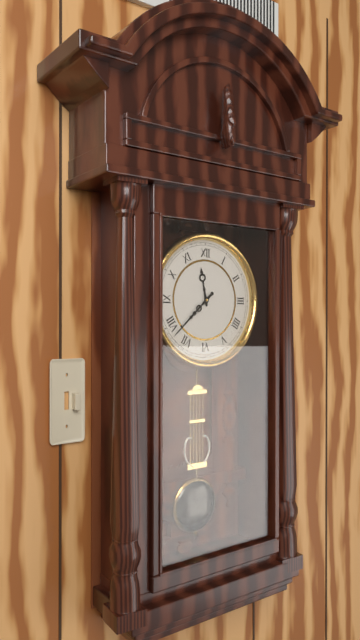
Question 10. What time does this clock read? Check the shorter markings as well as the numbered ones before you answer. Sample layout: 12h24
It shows 11h38
